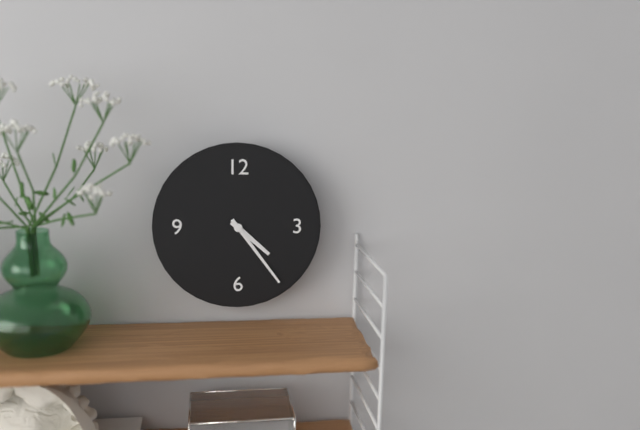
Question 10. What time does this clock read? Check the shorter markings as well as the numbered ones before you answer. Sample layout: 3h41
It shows 4h24
